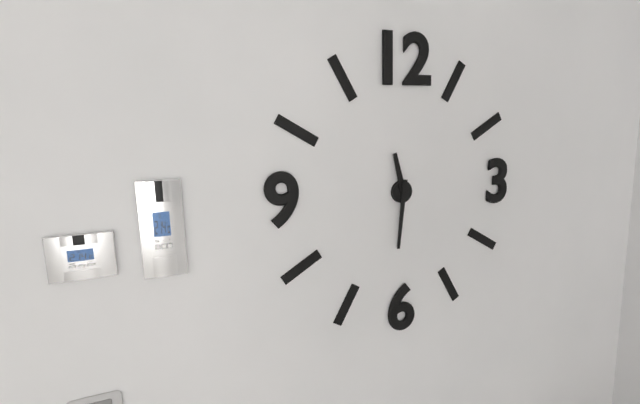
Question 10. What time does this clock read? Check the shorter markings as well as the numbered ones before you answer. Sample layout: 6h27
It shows 11h31
